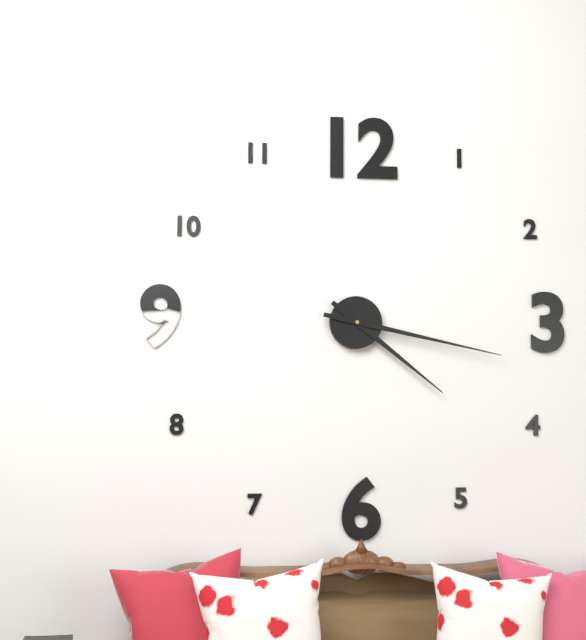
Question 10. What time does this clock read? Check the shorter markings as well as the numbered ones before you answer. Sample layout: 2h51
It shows 4h17
